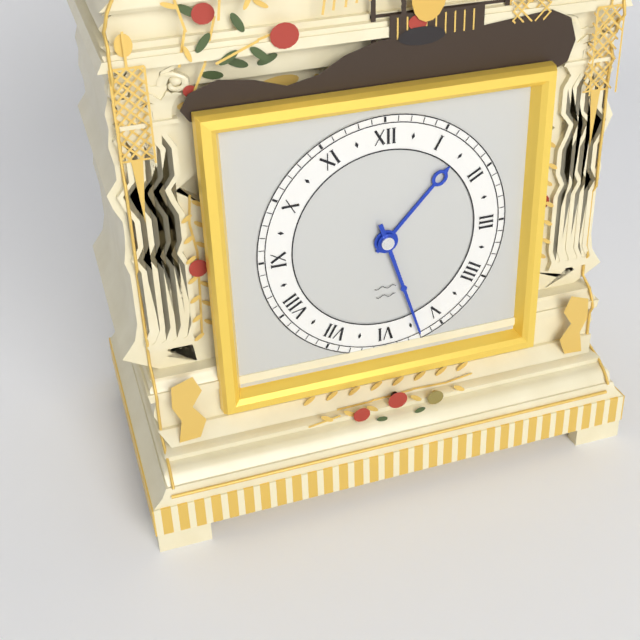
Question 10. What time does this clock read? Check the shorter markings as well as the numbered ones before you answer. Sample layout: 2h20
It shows 1h27
